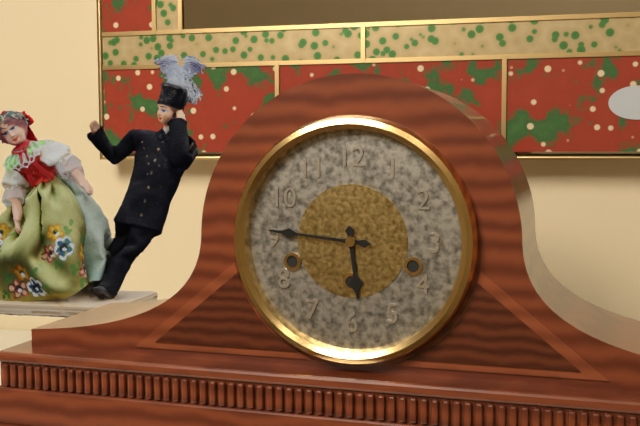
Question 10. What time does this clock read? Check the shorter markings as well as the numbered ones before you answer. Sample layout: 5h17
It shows 5h46
